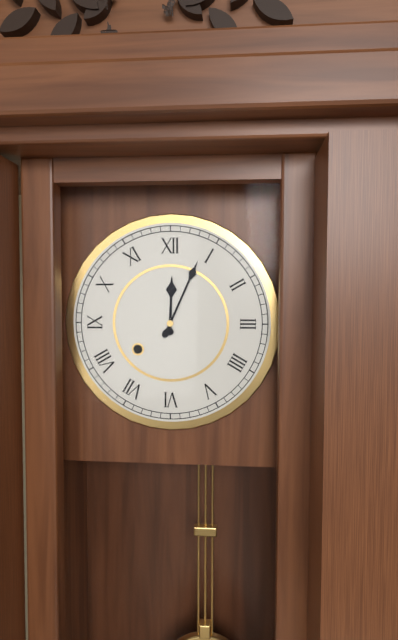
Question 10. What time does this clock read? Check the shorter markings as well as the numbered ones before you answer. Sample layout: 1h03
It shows 12h04
